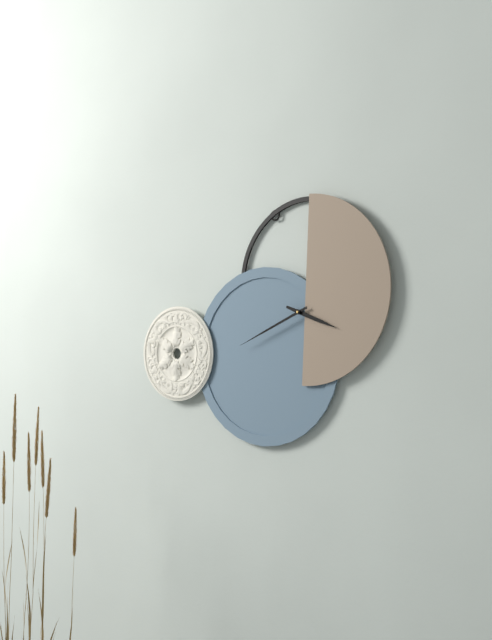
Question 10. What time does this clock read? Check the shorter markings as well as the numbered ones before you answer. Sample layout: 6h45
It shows 3h41
